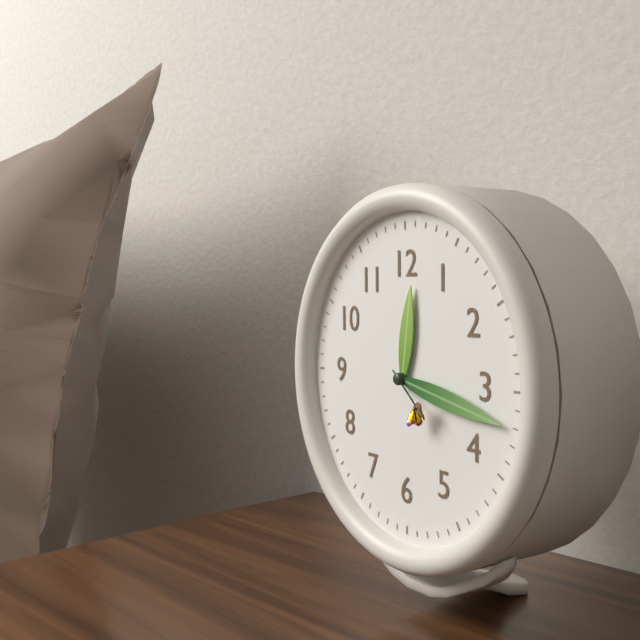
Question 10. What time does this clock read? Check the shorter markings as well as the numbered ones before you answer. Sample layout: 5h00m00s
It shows 12h17m22s
